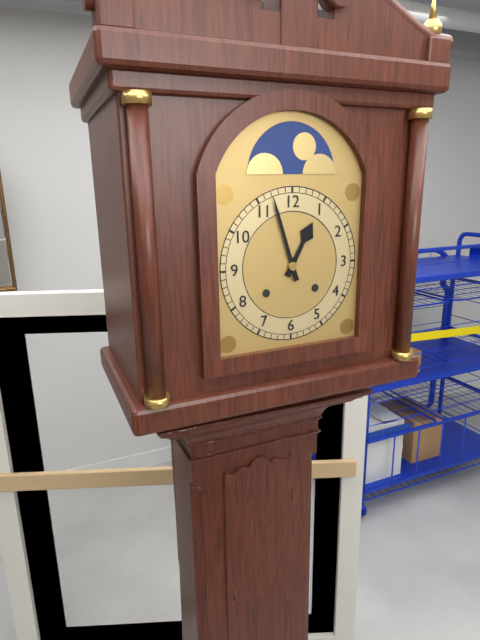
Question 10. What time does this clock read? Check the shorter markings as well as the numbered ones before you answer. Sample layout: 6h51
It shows 12h57
